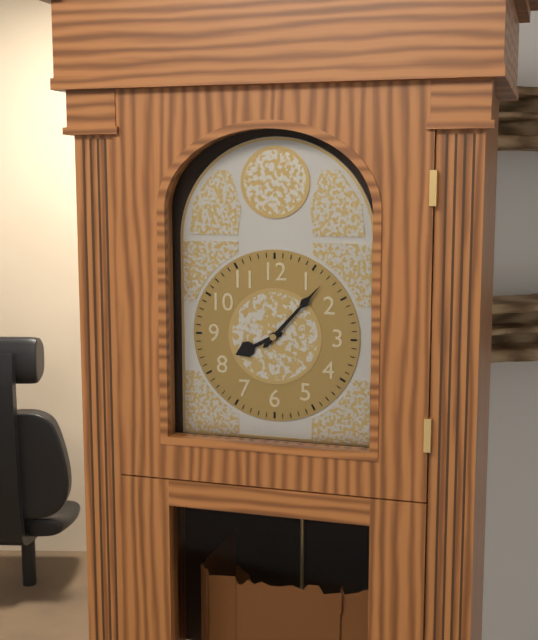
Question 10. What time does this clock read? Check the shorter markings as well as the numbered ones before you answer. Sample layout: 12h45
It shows 8h07
